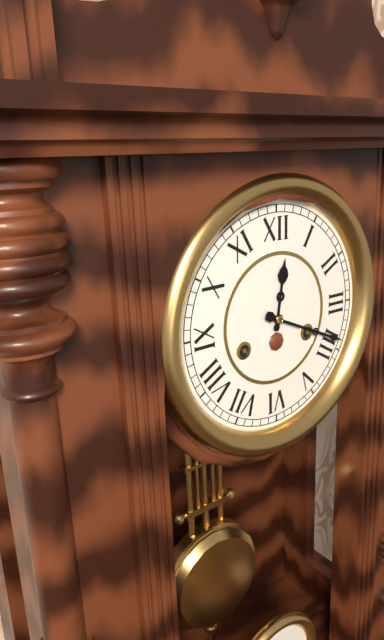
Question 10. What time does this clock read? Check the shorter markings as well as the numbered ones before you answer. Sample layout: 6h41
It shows 12h19
